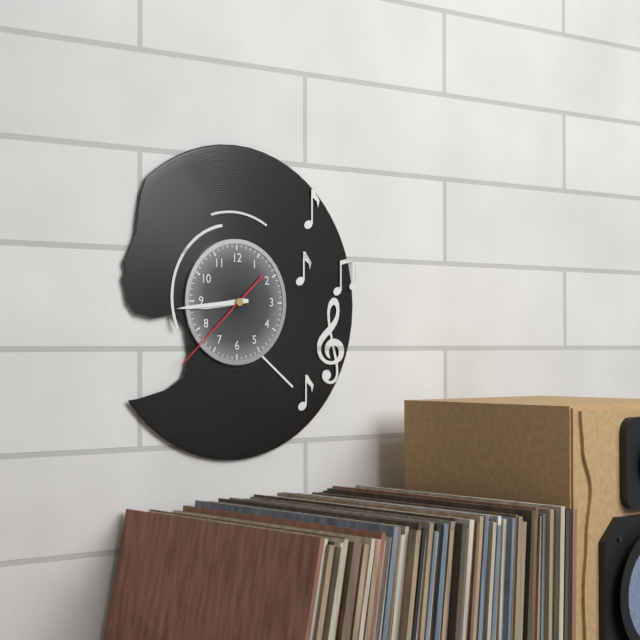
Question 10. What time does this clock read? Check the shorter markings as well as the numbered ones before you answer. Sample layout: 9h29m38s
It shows 8h44m38s
